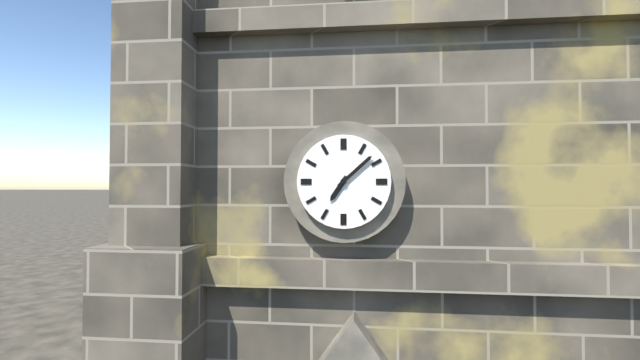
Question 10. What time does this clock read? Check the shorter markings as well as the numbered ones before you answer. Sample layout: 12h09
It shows 7h08
